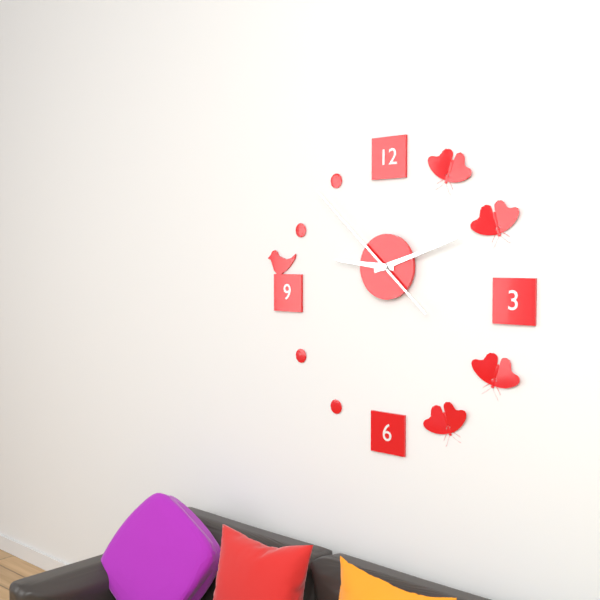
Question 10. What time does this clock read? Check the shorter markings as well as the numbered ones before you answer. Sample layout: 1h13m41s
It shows 9h12m52s
